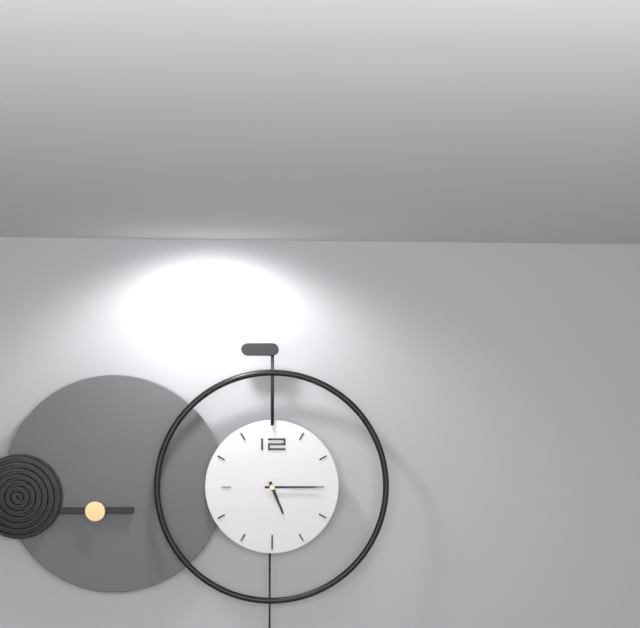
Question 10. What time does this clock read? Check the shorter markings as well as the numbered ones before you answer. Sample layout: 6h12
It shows 5h15
